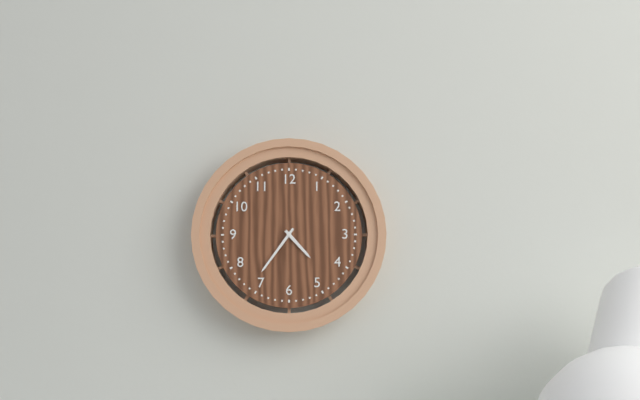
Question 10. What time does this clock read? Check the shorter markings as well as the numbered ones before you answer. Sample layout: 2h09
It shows 4h36
